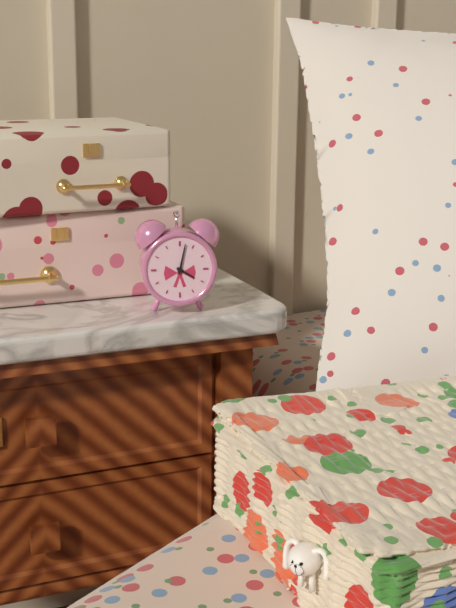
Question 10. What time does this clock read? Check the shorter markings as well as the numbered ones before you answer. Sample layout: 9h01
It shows 4h02
